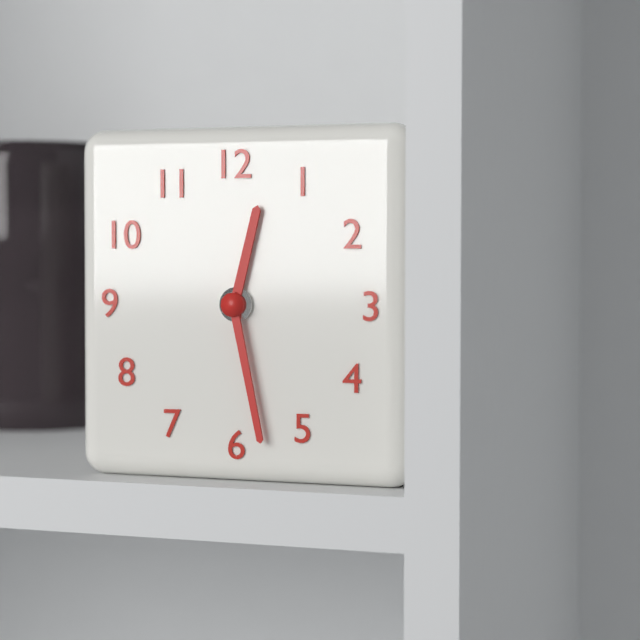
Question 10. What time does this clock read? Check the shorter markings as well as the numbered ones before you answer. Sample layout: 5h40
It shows 12h28
